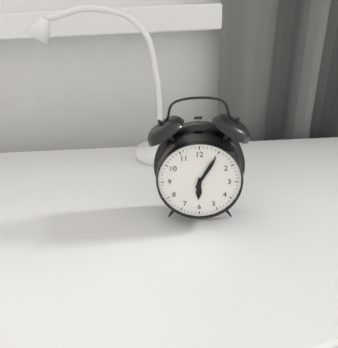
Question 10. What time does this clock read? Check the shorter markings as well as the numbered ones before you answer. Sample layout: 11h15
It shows 6h05
